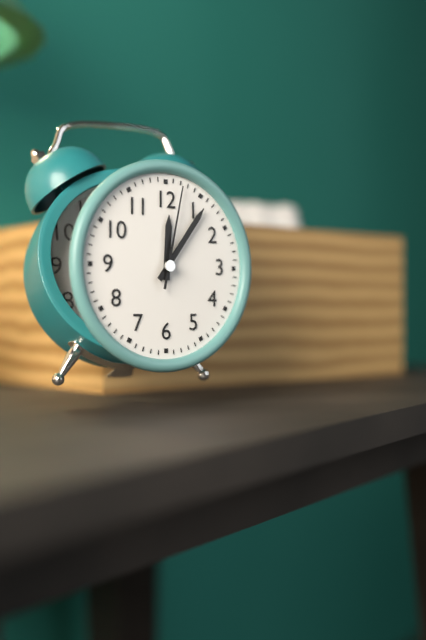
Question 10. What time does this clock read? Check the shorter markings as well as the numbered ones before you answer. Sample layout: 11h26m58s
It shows 12h06m02s
